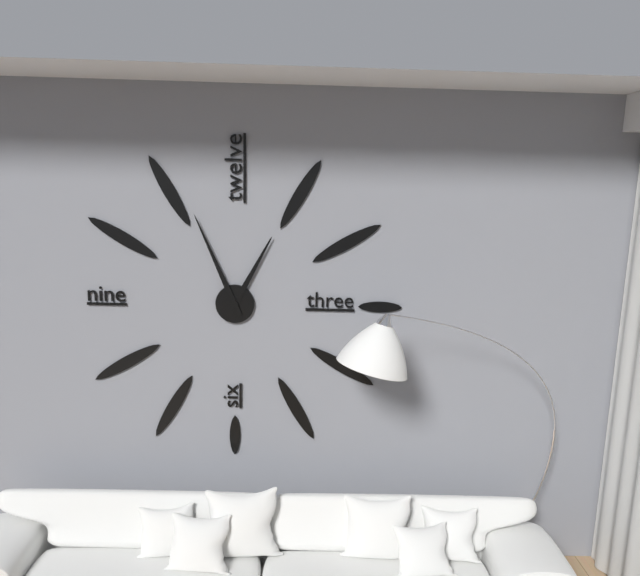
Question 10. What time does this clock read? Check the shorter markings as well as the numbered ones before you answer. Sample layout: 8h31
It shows 12h56
